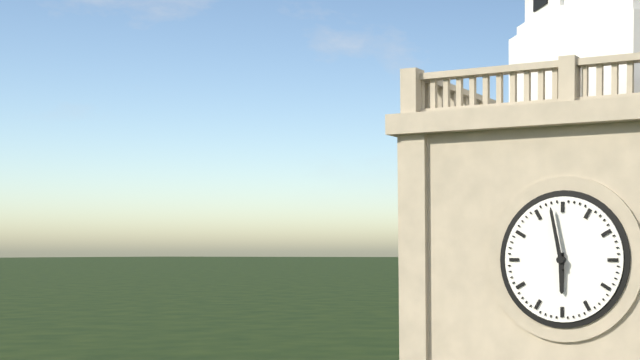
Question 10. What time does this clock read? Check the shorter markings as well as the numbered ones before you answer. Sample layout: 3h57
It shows 5h58
